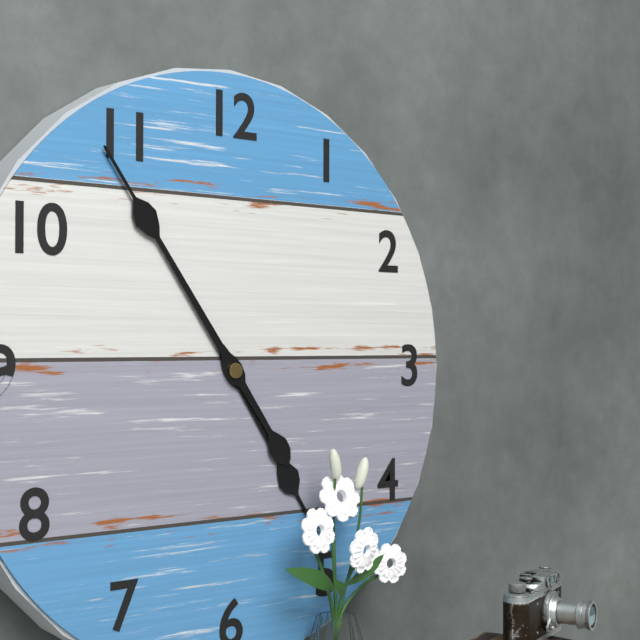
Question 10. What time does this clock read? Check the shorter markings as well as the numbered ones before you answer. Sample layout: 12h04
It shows 4h54
